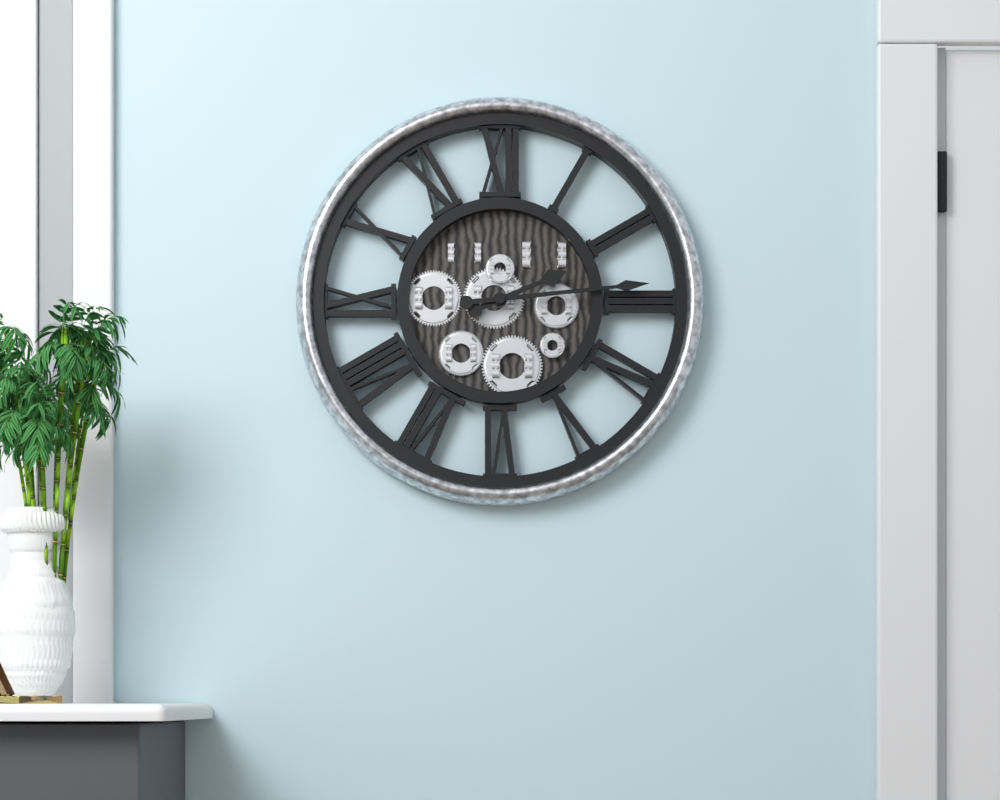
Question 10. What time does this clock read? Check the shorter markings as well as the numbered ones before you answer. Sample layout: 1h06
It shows 2h14
